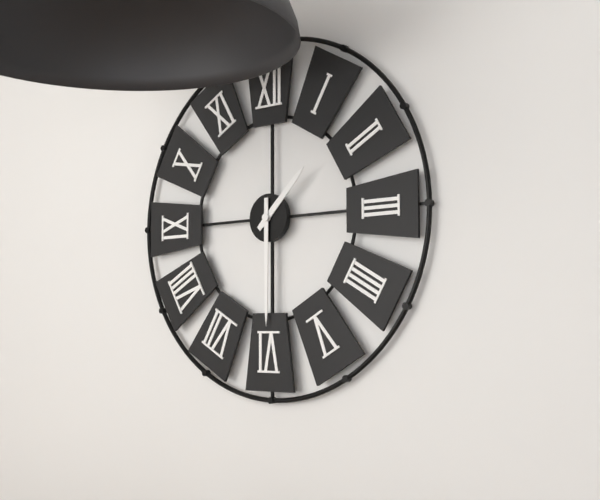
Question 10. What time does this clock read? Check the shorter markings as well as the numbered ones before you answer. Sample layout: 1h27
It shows 1h30
